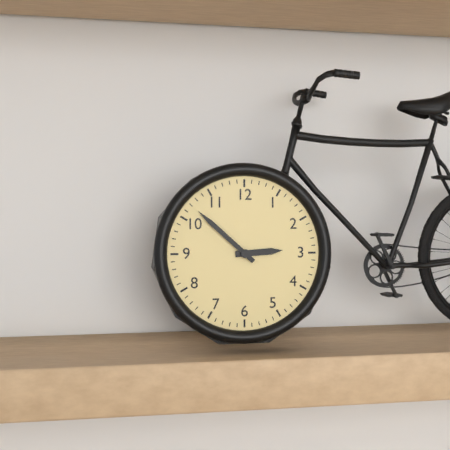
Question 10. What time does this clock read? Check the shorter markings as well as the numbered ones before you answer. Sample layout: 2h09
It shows 2h52
